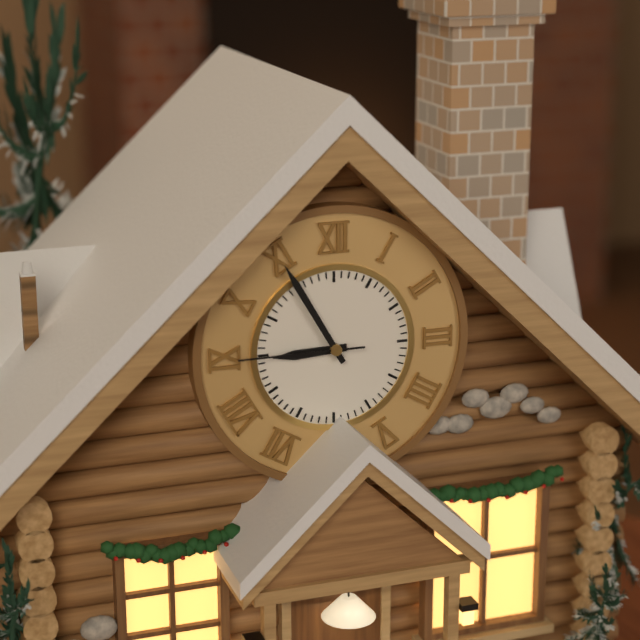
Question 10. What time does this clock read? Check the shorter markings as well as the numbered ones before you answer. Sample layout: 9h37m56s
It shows 8h55m45s
